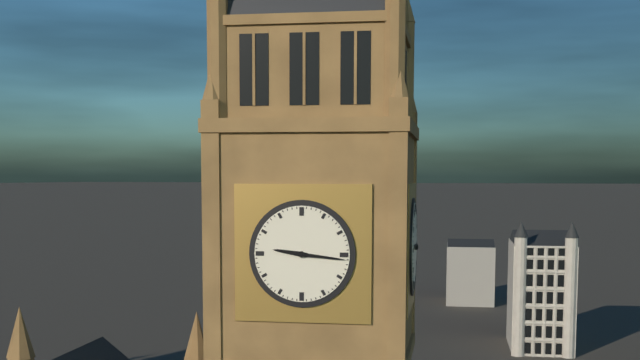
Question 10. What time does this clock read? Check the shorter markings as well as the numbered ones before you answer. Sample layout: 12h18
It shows 9h16
